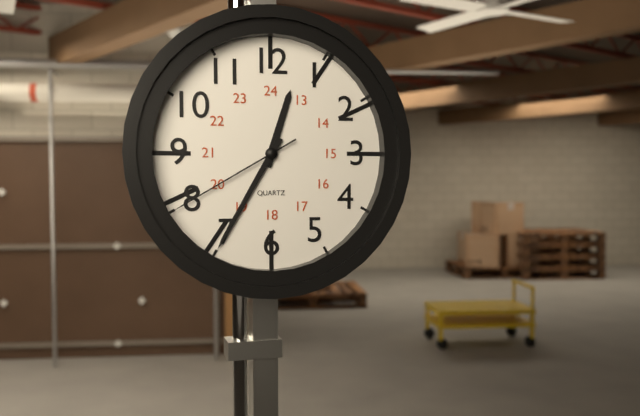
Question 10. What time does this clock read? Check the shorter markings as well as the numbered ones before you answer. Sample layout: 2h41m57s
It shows 12h35m40s
